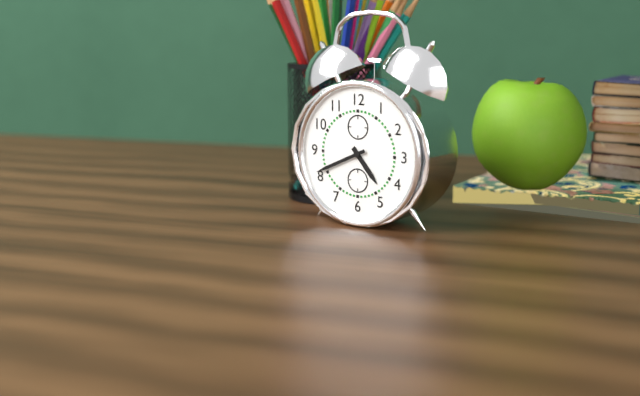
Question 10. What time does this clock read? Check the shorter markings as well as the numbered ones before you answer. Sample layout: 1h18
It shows 4h41
